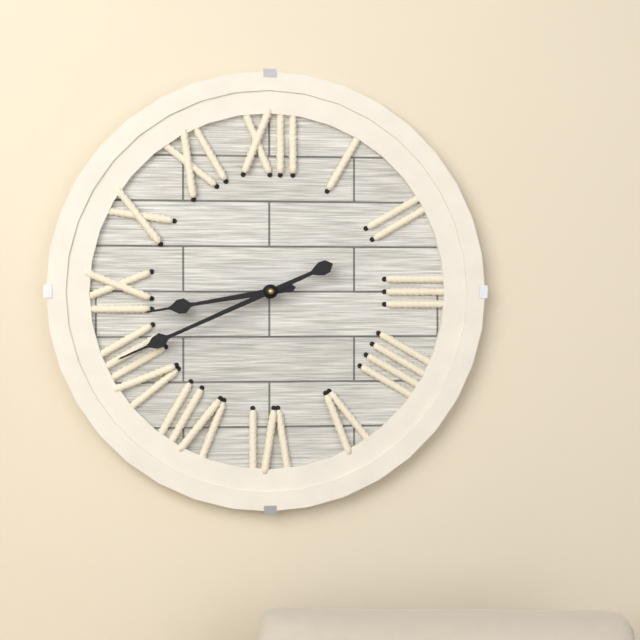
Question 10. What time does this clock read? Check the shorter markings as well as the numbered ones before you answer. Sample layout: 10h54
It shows 8h41
